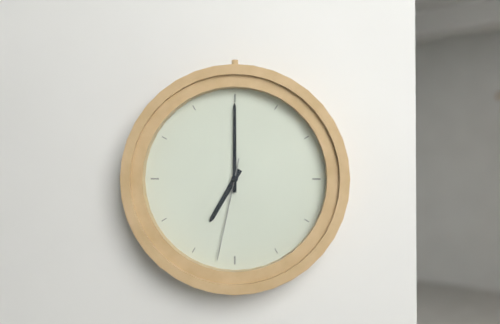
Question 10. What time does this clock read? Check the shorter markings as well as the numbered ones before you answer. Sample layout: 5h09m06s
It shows 7h00m32s
